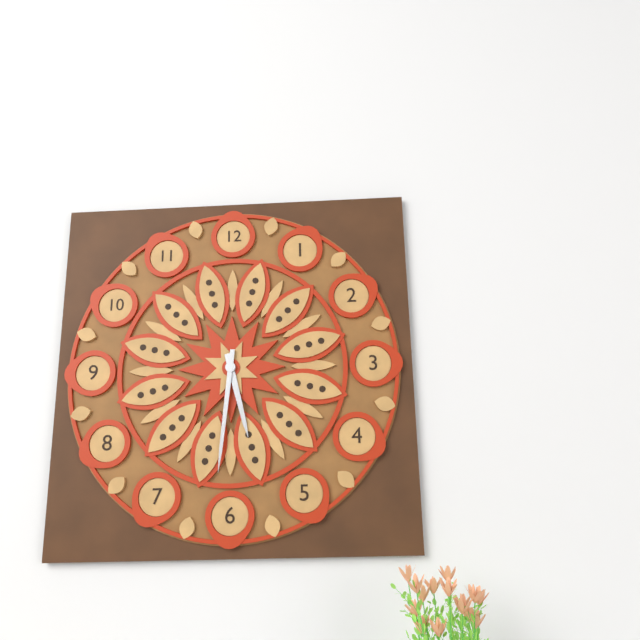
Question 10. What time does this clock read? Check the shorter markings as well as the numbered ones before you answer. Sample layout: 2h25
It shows 5h31
